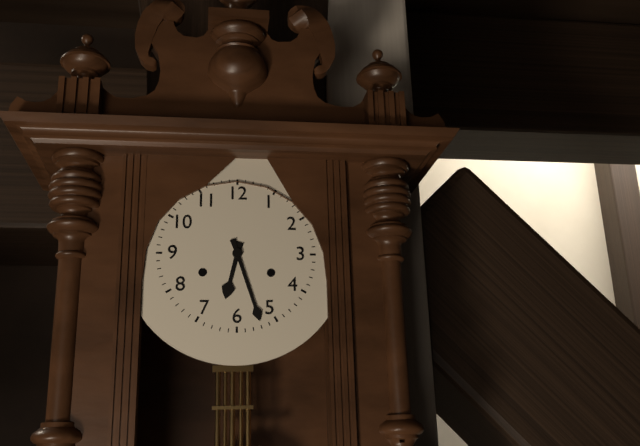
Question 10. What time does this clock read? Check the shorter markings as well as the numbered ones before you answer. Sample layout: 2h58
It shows 6h27
